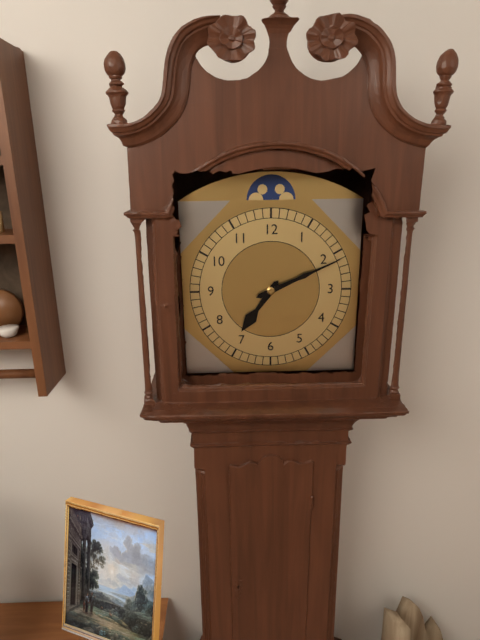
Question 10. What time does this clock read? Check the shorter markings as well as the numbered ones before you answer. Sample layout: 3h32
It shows 7h11
